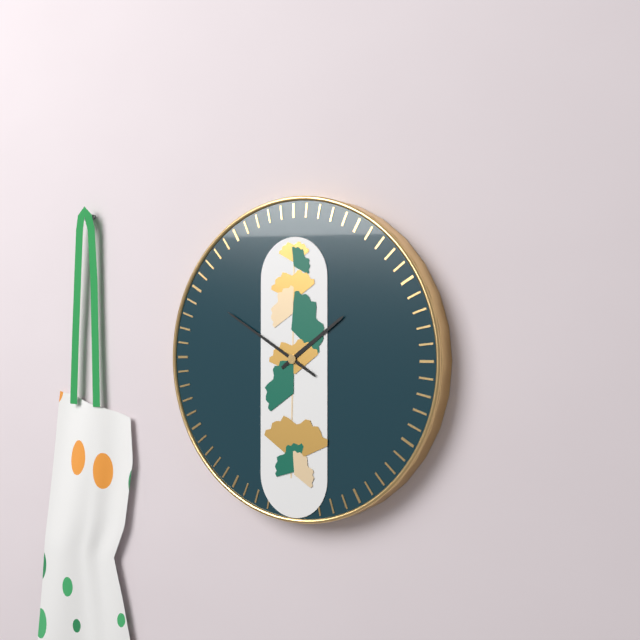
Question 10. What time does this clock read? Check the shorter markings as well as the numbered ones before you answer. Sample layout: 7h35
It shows 1h50
